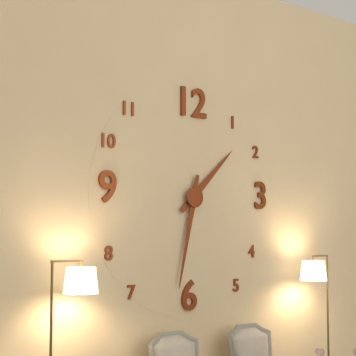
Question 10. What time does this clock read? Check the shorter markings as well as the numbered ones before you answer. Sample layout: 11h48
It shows 1h32
